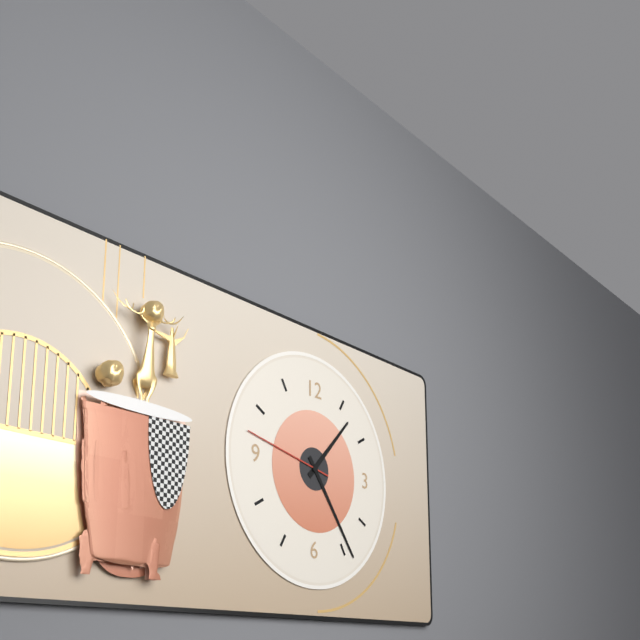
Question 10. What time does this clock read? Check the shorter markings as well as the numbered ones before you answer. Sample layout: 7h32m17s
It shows 1h24m47s
